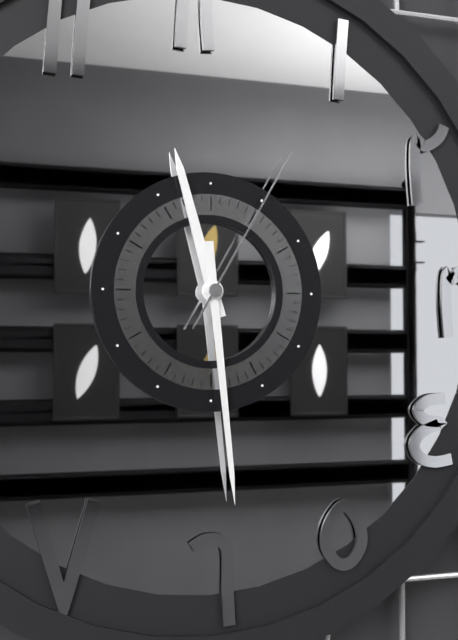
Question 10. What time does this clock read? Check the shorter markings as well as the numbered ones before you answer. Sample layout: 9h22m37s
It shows 11h29m05s
